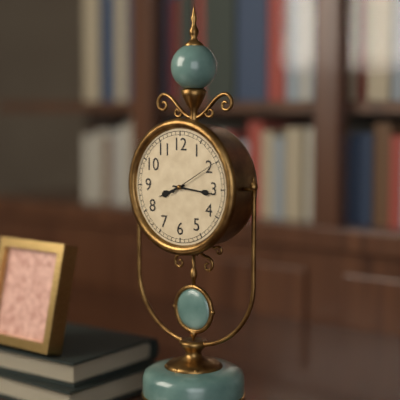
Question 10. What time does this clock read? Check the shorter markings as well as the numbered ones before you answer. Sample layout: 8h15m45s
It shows 8h16m10s
